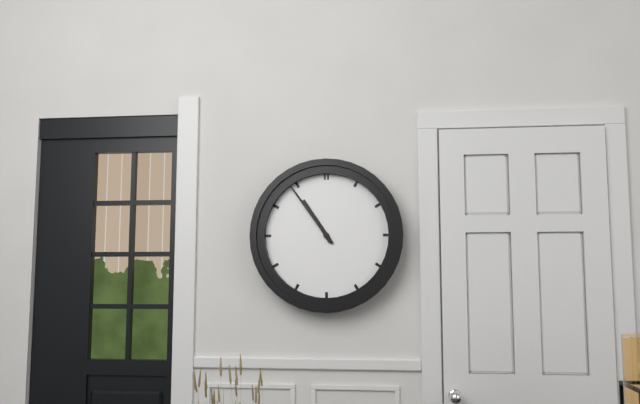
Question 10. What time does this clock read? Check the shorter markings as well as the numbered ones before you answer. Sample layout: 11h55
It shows 10h54
